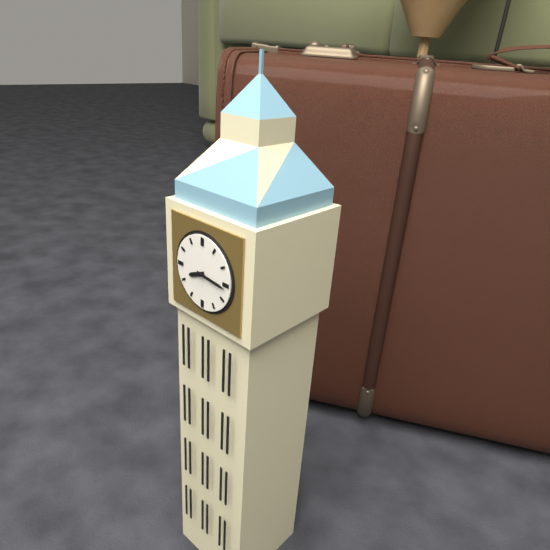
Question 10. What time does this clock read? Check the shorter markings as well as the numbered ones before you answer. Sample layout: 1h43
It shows 8h16
